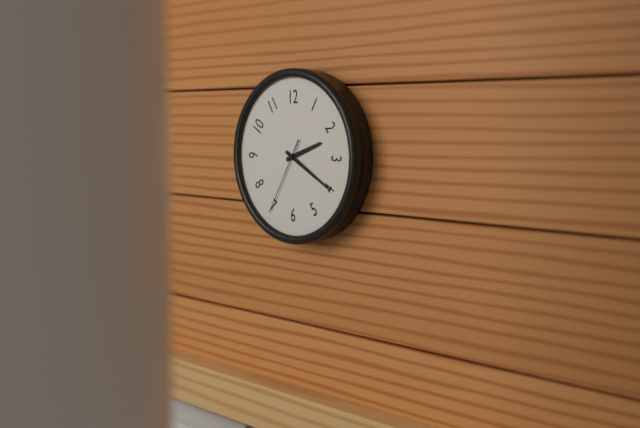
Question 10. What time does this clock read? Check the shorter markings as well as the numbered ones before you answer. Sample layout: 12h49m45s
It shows 2h20m35s
